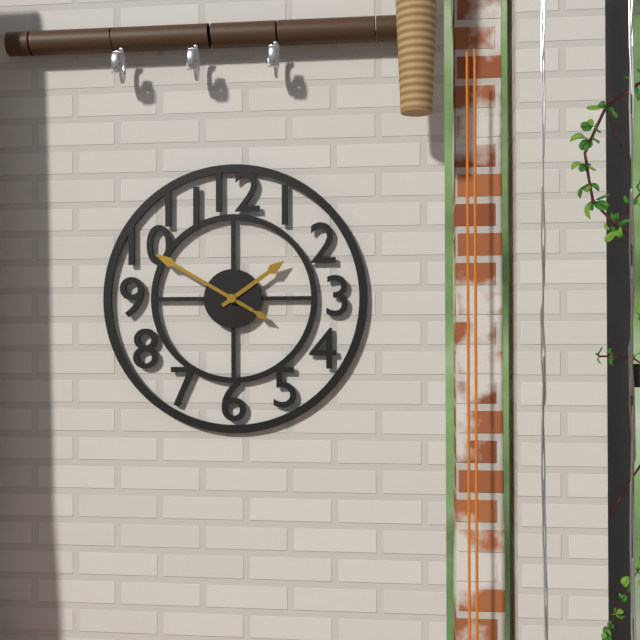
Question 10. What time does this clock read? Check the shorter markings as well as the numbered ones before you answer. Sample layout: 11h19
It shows 1h50
